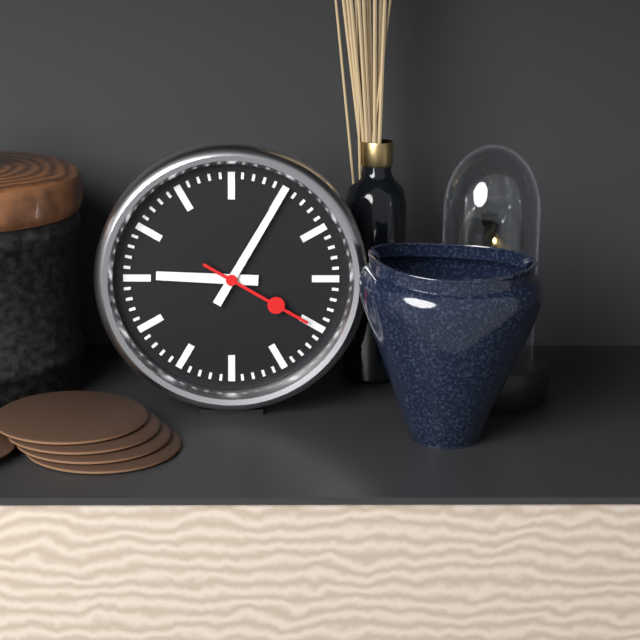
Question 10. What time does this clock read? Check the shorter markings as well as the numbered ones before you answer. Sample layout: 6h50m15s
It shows 9h05m20s
